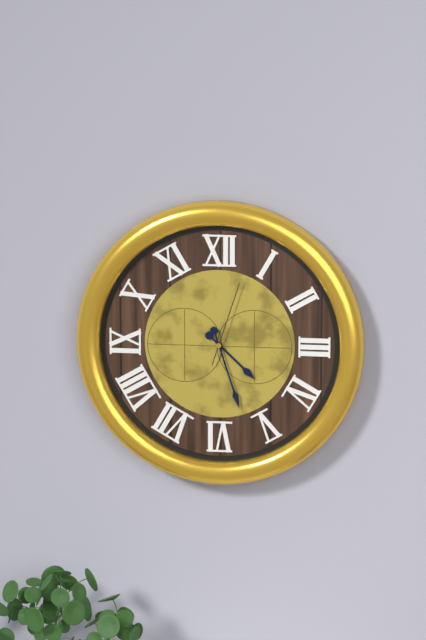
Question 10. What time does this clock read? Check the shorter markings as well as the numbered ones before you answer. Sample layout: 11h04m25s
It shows 4h27m03s
